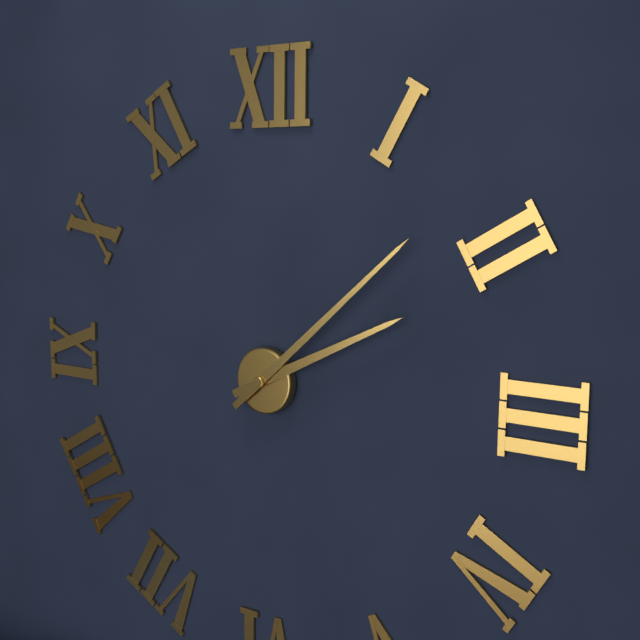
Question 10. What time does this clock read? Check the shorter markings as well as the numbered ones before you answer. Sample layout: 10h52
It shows 2h08
